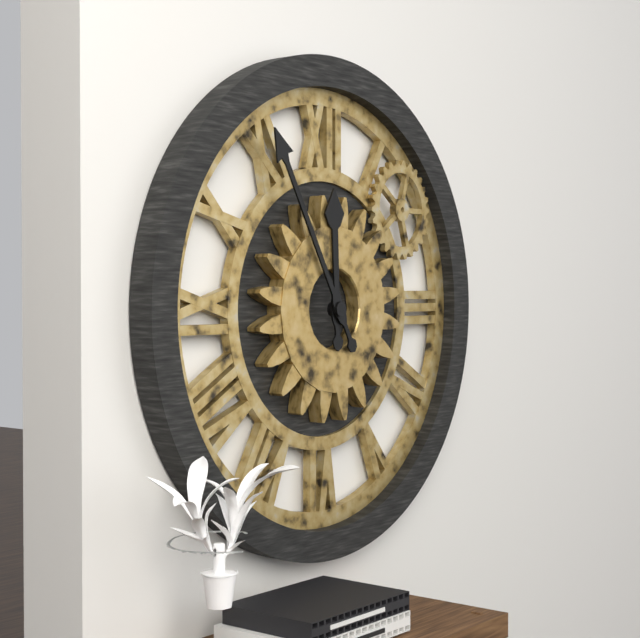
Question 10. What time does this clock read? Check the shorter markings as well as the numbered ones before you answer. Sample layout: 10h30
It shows 11h55
